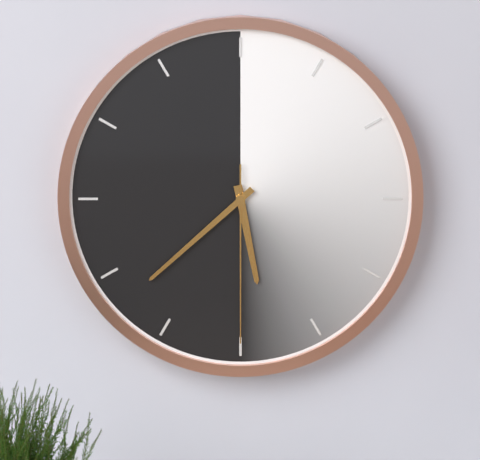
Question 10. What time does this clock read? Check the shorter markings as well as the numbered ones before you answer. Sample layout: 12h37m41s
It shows 5h38m30s
